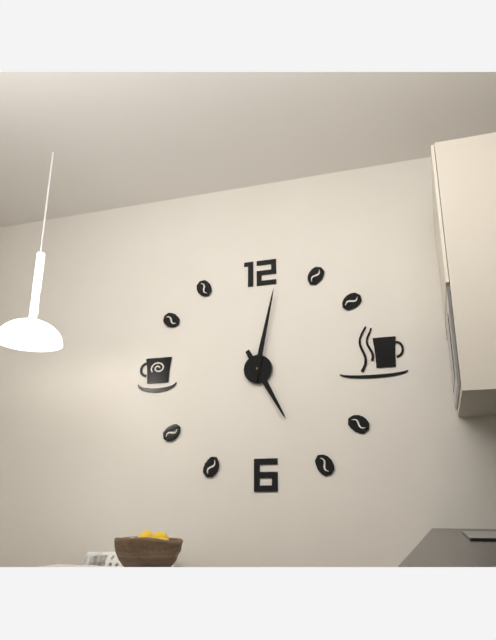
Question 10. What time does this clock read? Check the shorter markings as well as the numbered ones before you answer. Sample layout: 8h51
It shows 5h02
